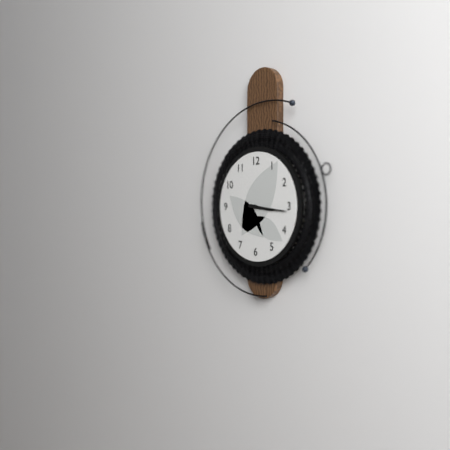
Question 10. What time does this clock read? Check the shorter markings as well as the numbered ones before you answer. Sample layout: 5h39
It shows 3h16
